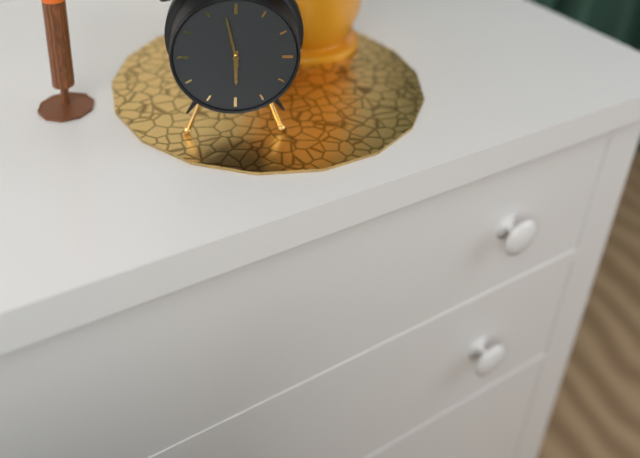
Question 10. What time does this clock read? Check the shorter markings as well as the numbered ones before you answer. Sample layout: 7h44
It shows 5h58
